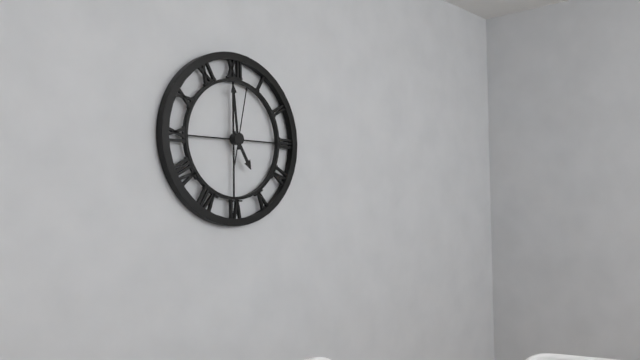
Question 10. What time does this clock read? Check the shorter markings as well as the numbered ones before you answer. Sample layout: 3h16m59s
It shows 4h59m02s
